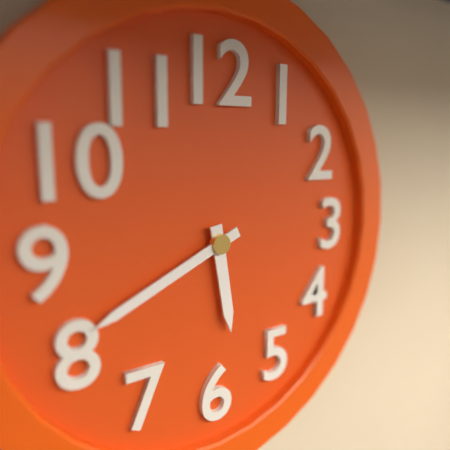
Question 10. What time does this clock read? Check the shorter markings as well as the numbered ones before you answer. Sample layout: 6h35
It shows 5h41
